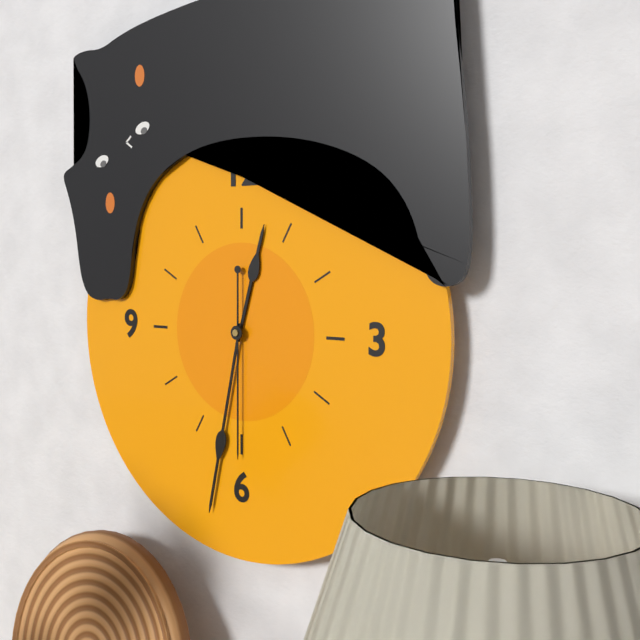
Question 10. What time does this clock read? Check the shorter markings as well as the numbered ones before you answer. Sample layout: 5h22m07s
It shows 12h32m30s
